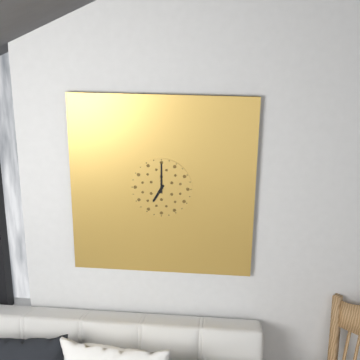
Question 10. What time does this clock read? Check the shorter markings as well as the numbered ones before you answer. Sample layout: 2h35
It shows 7h00
